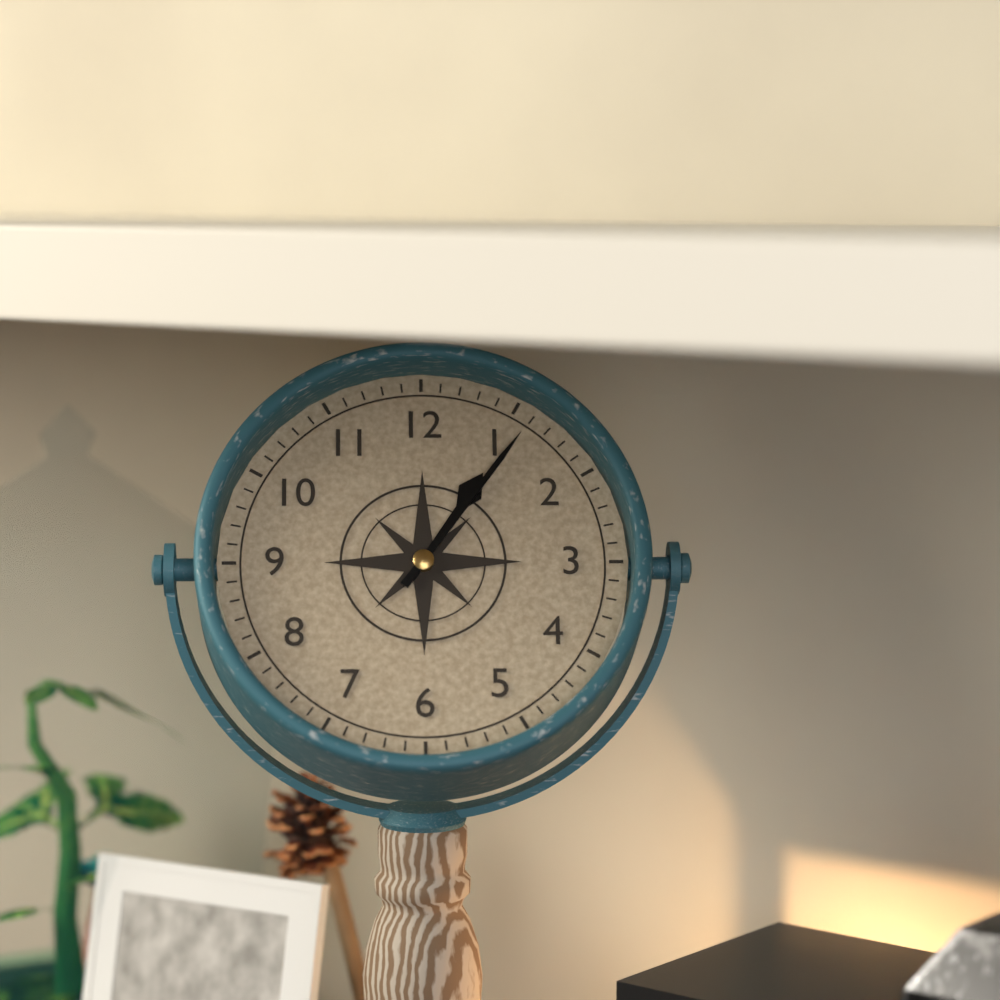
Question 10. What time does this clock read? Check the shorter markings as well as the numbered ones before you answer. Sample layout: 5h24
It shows 1h06
